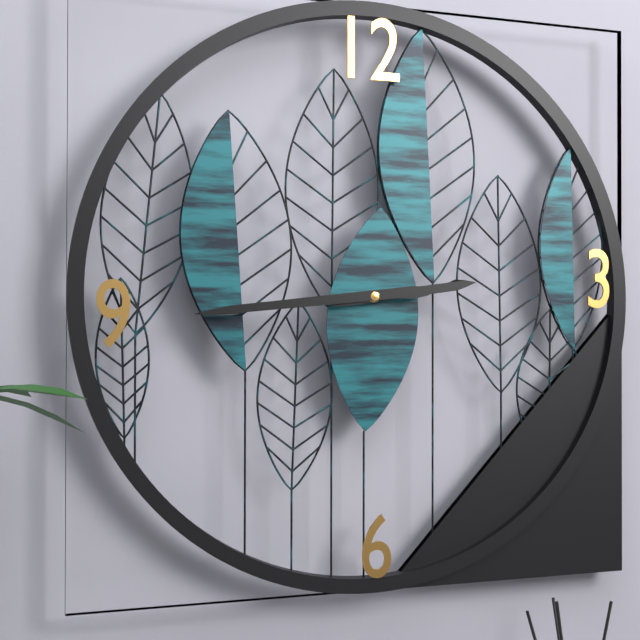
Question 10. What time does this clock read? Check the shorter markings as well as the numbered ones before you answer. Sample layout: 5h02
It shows 2h44
